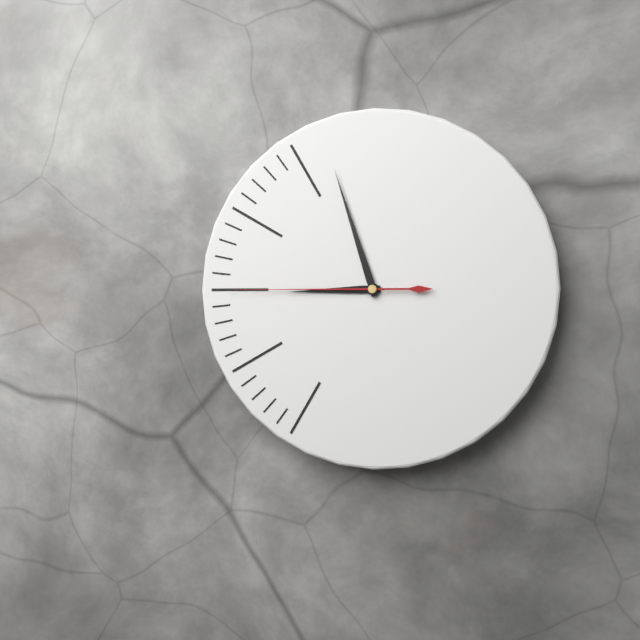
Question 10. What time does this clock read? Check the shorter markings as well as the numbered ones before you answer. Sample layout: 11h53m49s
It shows 8h57m45s
